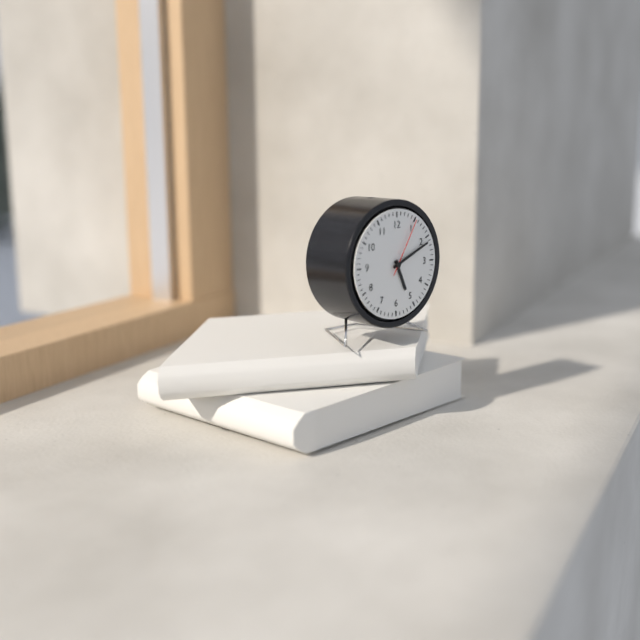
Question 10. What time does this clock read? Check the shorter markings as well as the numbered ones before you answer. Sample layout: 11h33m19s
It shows 5h11m05s
